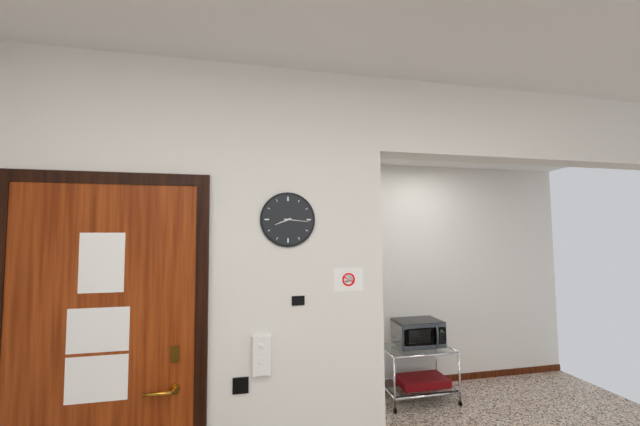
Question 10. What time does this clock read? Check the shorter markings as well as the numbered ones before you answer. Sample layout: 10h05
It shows 8h16
